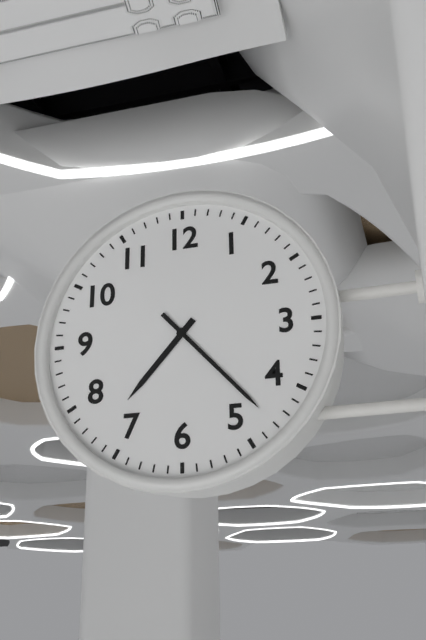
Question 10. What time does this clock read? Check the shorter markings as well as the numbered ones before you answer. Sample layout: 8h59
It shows 7h23
